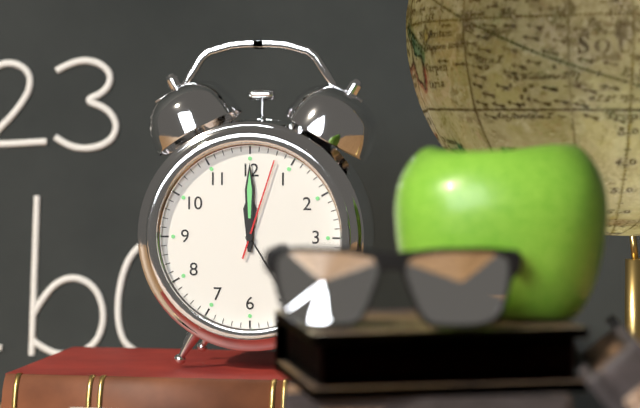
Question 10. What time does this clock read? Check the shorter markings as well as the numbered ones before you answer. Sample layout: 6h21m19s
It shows 12h00m03s
